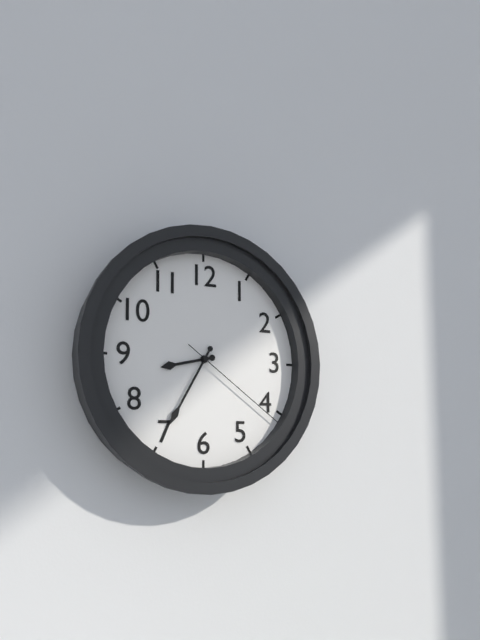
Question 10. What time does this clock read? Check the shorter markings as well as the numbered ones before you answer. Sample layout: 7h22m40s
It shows 8h35m21s
